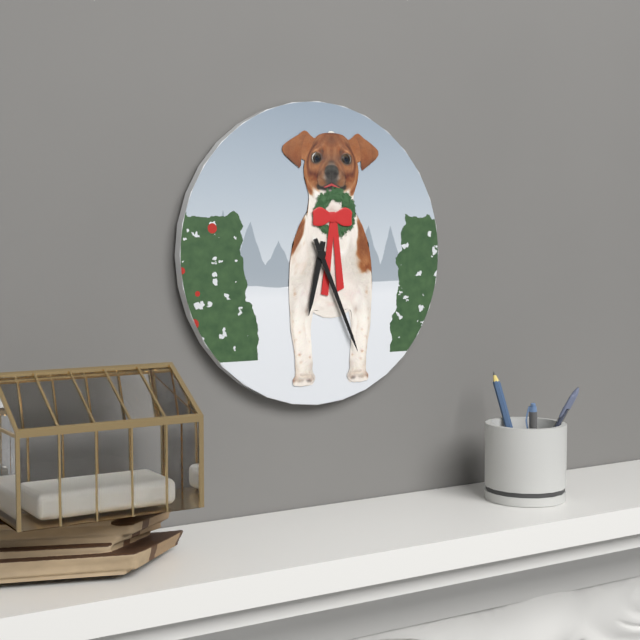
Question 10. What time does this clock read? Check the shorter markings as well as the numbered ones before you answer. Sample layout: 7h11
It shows 6h26
